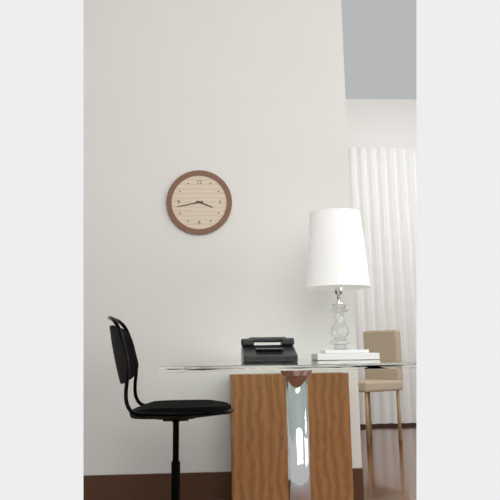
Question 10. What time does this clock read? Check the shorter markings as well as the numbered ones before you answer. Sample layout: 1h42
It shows 3h43
